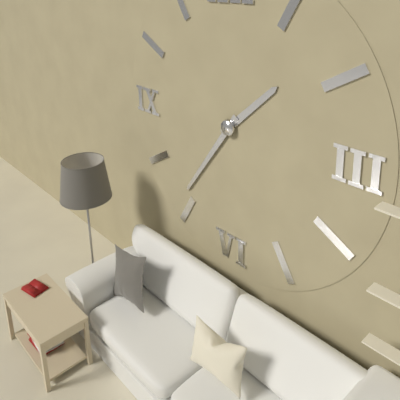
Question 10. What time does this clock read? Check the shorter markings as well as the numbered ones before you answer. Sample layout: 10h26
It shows 1h36
